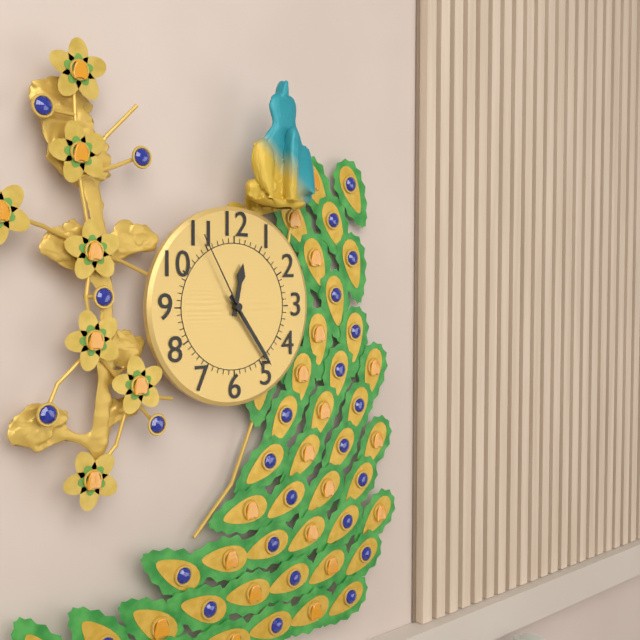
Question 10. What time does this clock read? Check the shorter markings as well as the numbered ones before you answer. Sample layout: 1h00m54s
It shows 12h24m55s
